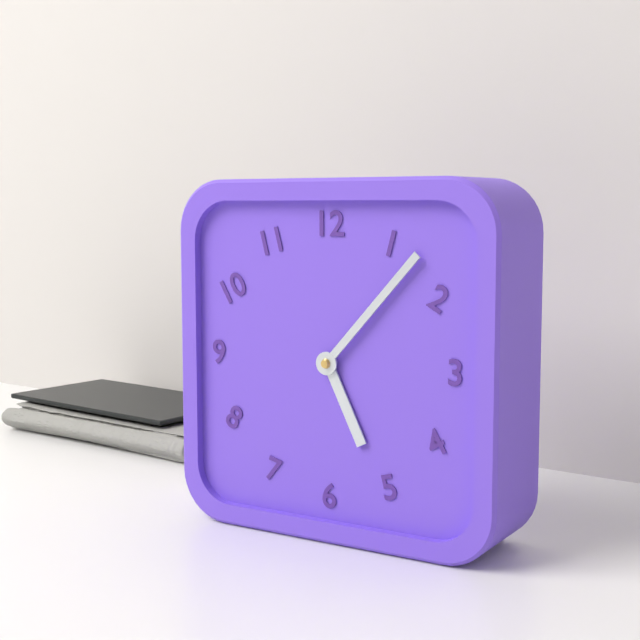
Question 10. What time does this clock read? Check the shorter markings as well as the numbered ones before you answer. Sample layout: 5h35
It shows 5h07
